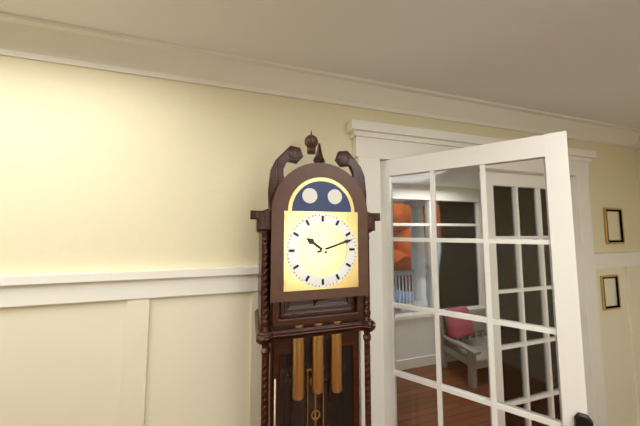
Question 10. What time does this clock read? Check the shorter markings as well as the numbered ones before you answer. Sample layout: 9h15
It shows 10h12
